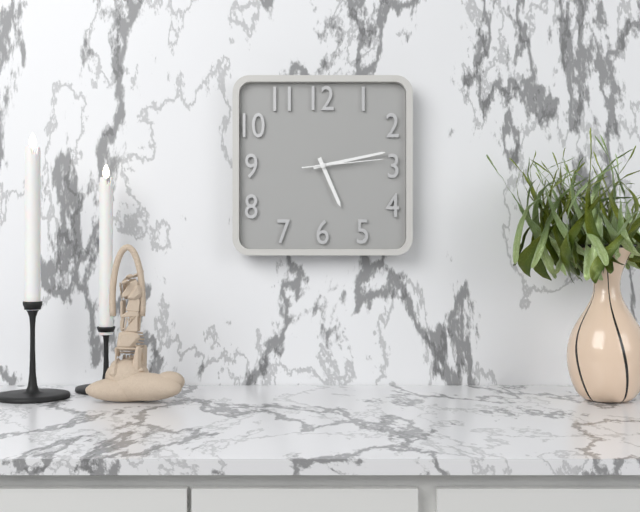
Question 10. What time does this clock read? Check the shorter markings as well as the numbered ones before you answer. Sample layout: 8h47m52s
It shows 5h13m14s
